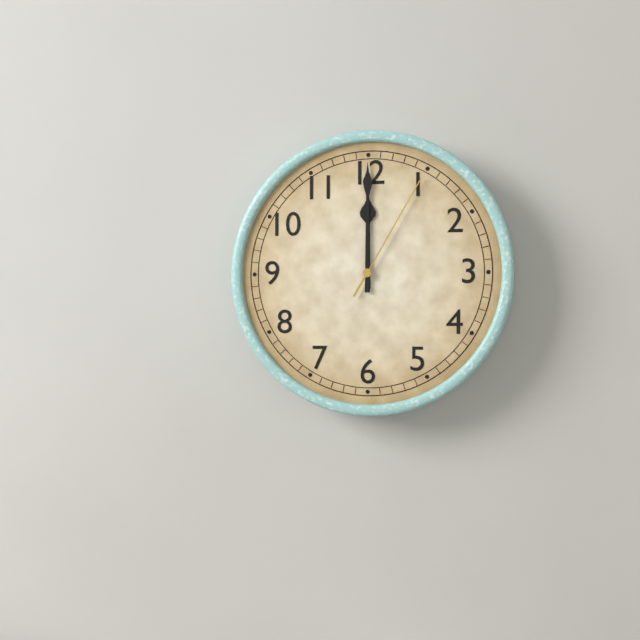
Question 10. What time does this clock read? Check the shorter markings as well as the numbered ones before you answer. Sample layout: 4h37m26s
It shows 12h00m05s
